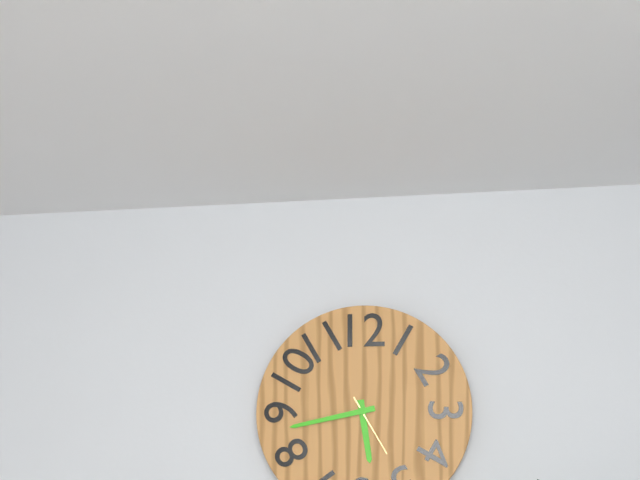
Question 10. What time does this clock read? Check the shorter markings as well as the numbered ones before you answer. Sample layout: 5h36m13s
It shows 5h43m25s
